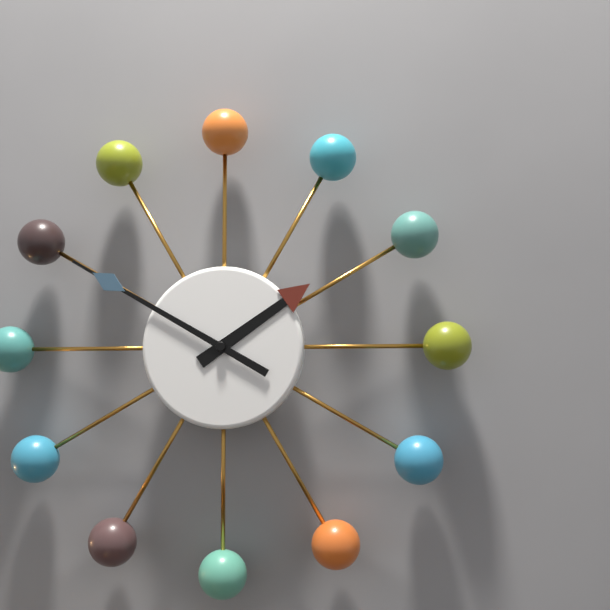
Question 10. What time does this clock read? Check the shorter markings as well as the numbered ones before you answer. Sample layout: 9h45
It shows 1h50
